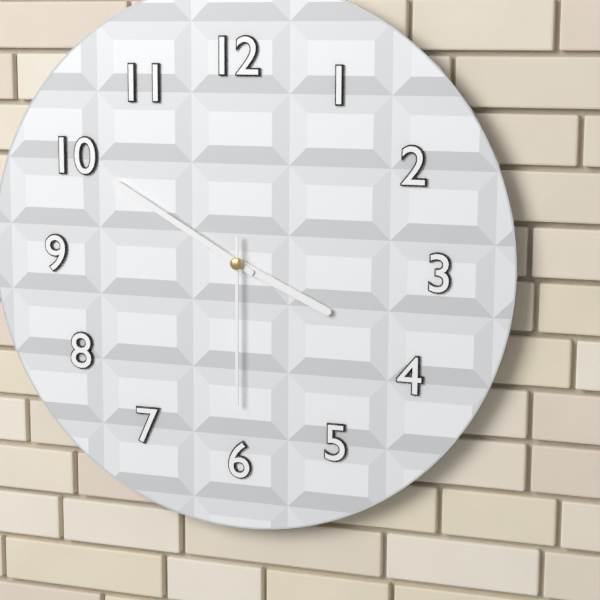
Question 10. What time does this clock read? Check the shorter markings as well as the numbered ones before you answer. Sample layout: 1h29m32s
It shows 3h50m30s
